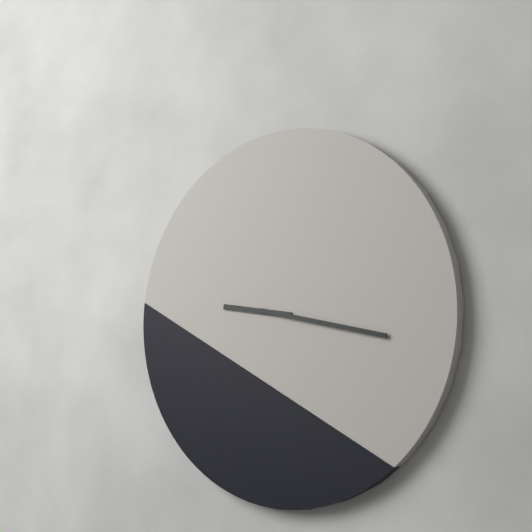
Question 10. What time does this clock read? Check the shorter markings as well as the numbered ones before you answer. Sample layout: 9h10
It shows 9h17
